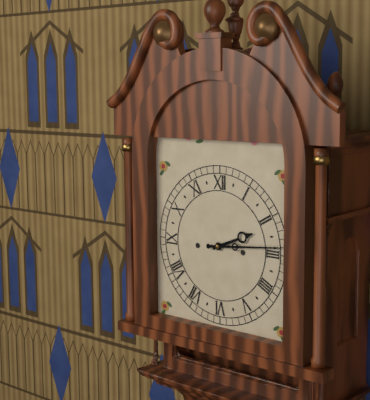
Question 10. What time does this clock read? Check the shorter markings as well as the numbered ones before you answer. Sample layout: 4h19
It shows 2h14
